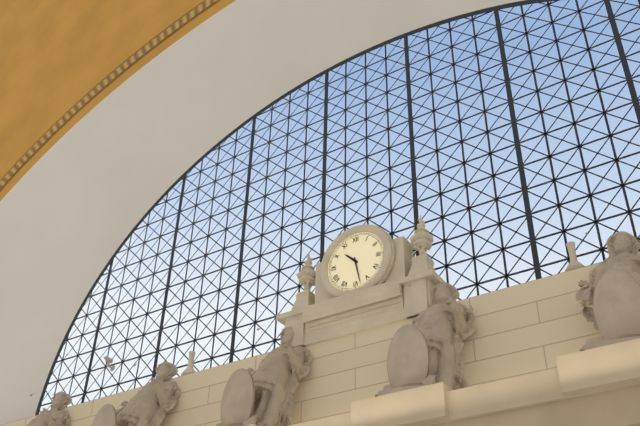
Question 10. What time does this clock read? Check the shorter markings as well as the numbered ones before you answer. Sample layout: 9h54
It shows 10h28
